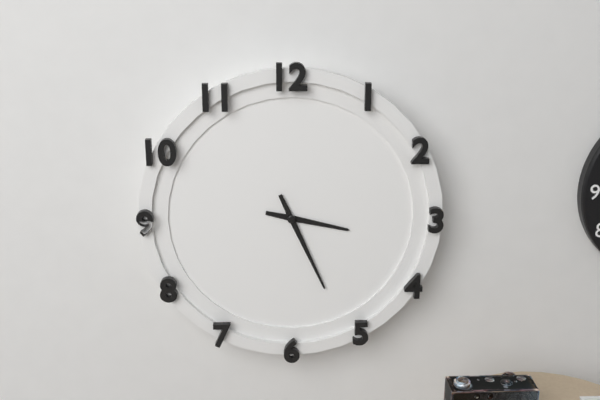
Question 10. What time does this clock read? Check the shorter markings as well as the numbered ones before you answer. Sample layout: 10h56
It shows 3h26
